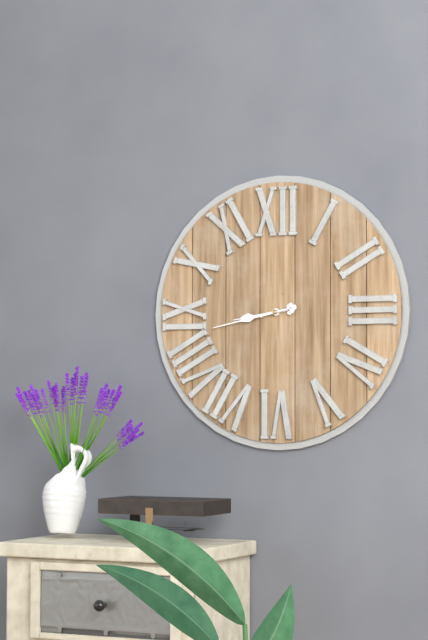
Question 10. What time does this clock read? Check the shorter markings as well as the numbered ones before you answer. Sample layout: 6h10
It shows 8h43
